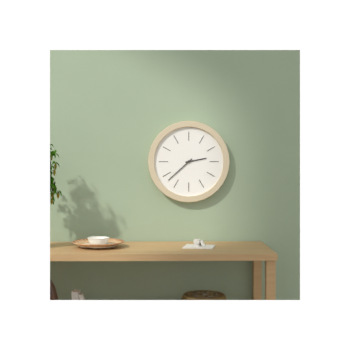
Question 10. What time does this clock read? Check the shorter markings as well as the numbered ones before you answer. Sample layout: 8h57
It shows 2h38
